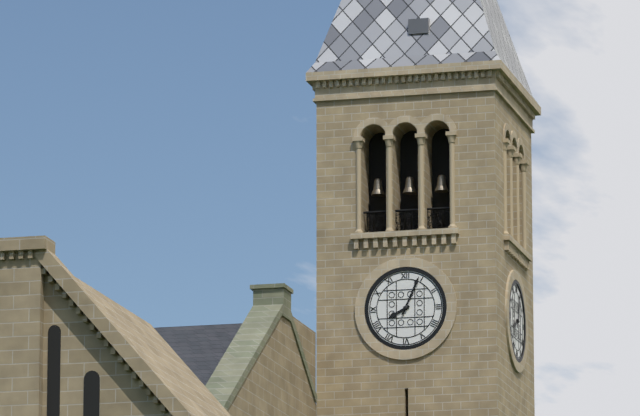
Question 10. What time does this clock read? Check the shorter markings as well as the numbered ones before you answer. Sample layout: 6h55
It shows 8h04
